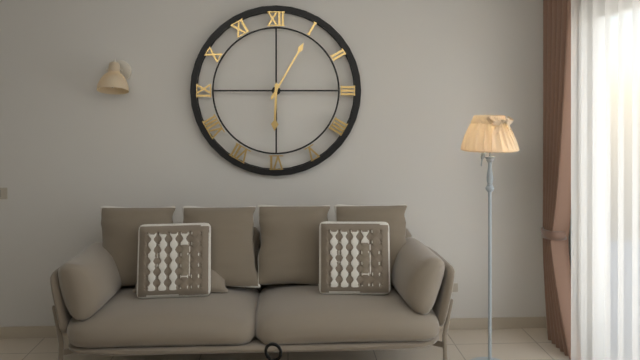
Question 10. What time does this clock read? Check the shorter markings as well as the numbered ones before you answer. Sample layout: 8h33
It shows 6h05
